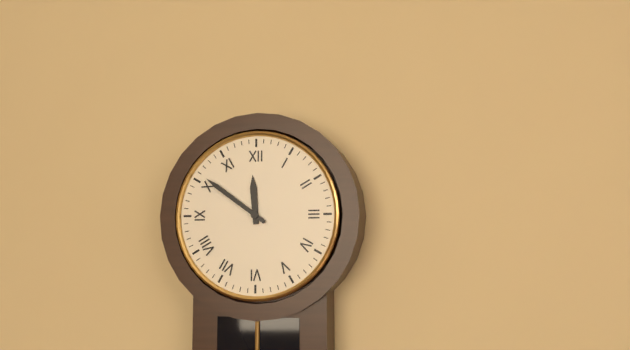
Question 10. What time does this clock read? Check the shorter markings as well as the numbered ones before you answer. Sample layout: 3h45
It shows 11h51
